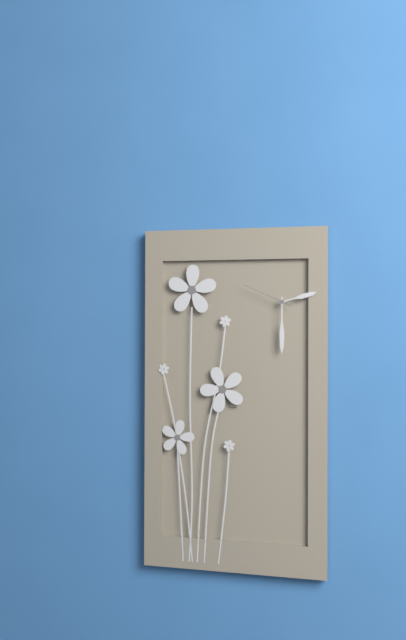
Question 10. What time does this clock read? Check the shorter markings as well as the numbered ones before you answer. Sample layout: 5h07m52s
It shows 2h30m49s
